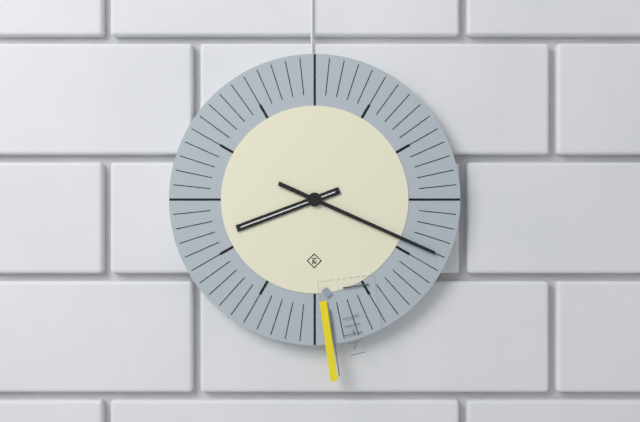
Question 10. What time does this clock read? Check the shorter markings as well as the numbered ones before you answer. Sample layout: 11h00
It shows 8h19
